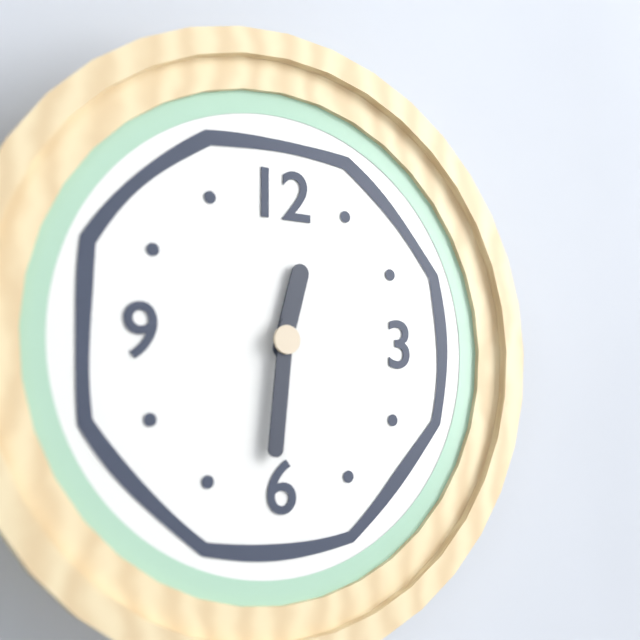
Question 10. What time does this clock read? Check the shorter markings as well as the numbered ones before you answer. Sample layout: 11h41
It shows 12h31
